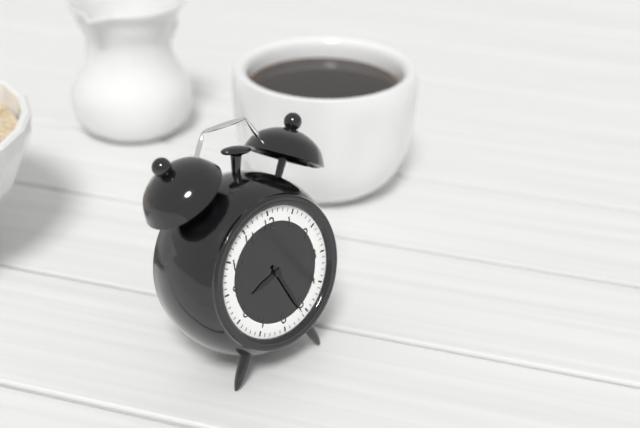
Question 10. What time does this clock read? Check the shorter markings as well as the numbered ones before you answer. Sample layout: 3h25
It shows 8h26
